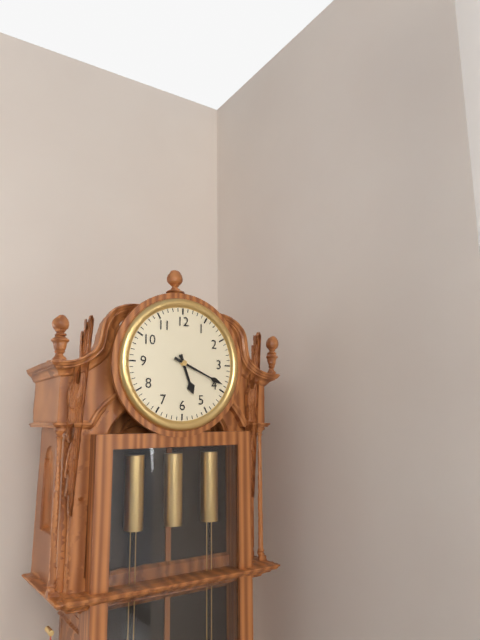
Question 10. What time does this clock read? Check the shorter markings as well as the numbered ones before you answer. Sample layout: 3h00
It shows 5h19
